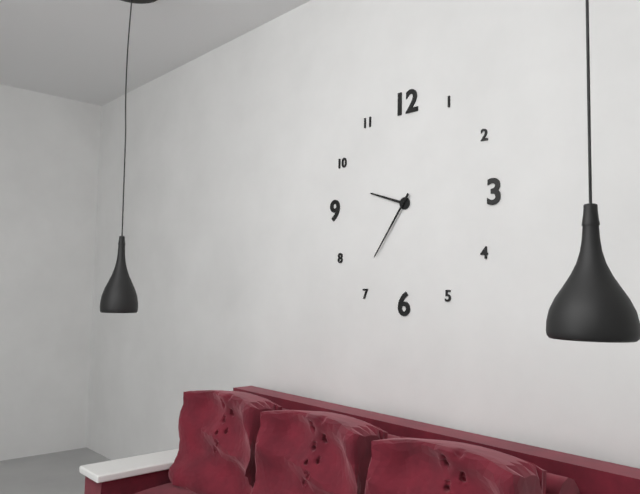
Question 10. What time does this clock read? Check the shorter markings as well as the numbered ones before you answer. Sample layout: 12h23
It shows 9h36
